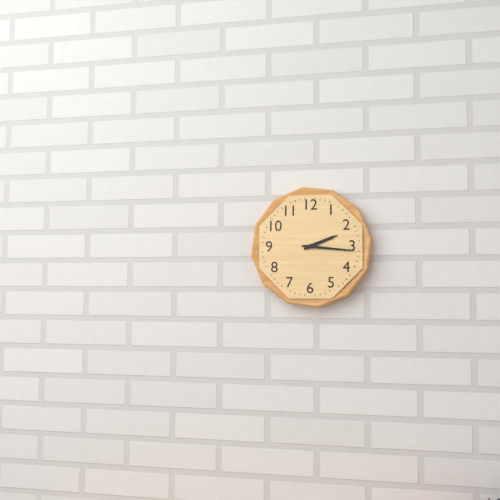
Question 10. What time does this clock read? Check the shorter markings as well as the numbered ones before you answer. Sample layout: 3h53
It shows 2h16
